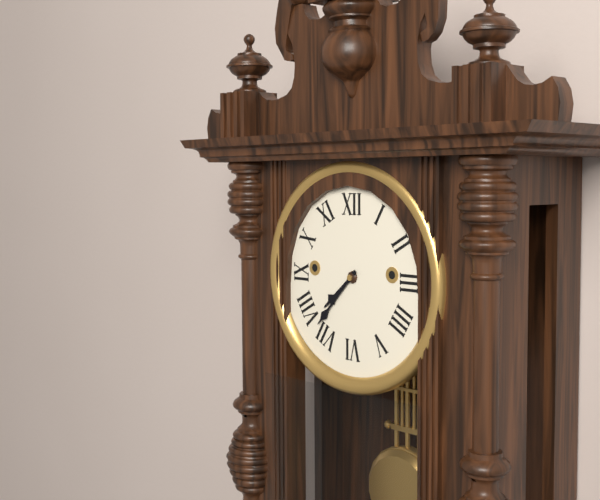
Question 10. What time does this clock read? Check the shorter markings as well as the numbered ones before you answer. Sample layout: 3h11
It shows 7h37
